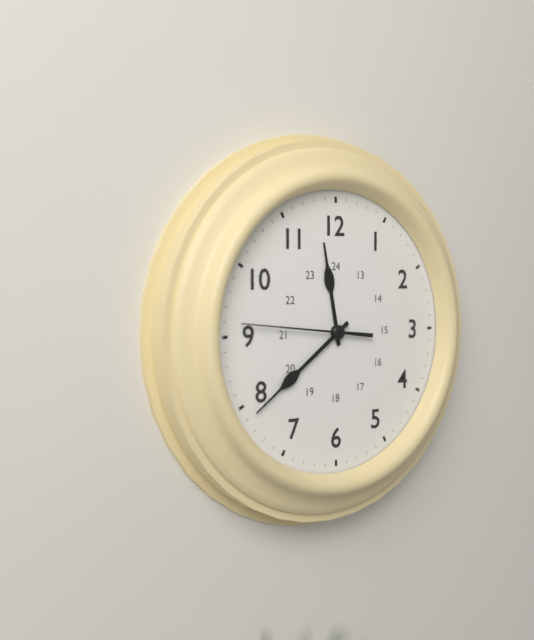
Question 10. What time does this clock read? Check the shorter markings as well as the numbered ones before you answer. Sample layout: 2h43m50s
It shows 11h39m46s
